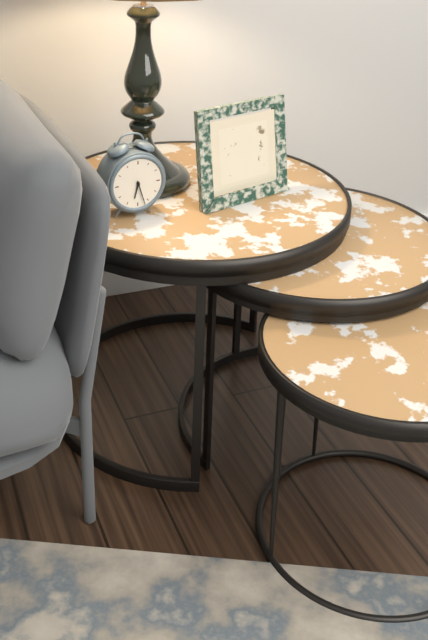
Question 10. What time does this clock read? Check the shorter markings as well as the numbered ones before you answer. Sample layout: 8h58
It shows 6h27
